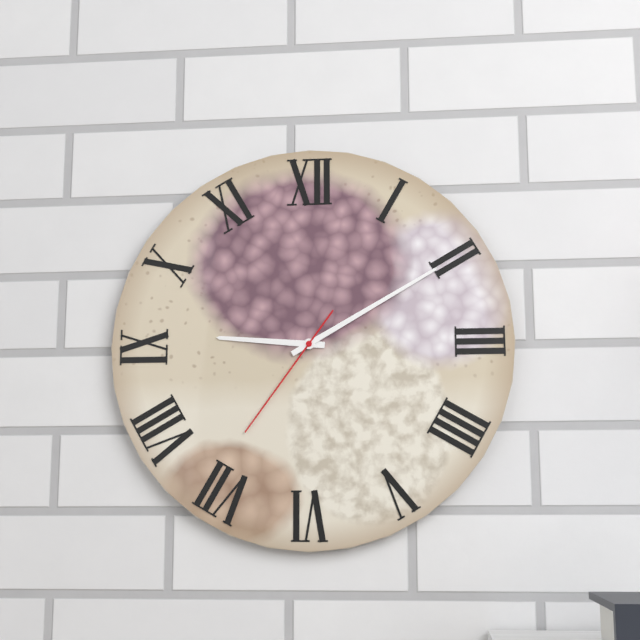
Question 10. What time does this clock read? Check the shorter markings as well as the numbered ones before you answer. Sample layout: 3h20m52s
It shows 9h10m36s
